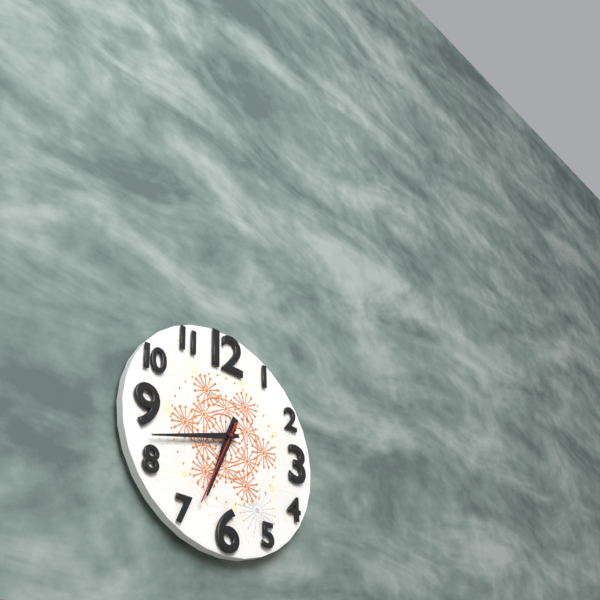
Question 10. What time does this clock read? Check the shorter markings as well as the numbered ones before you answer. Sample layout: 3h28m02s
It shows 6h42m34s
